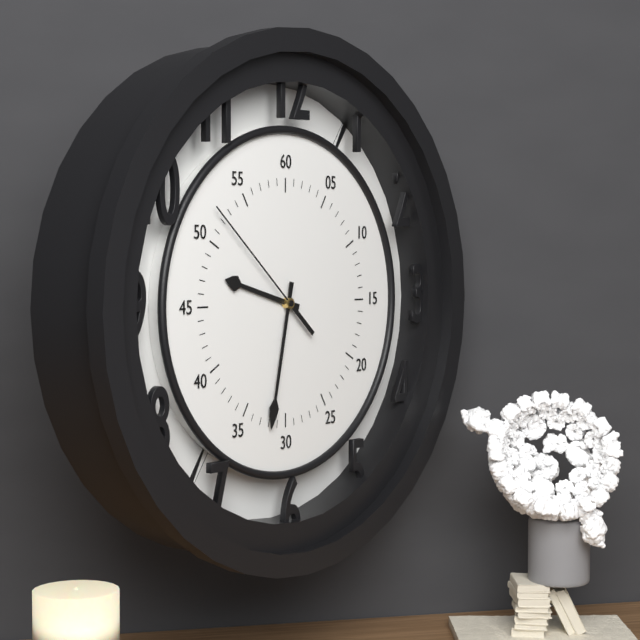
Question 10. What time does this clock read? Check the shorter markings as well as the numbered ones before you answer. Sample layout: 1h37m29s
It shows 9h32m52s
